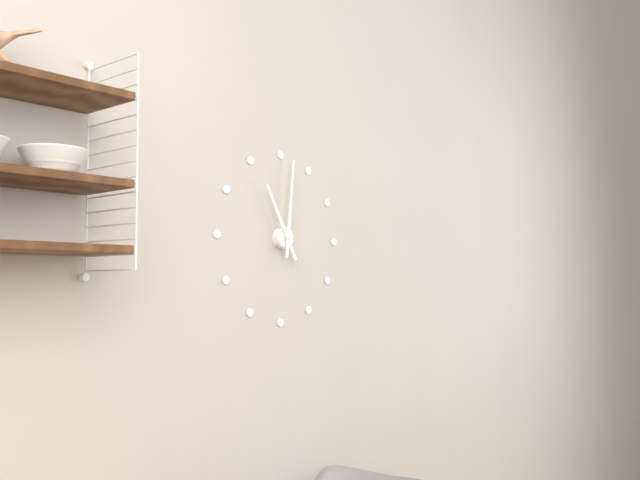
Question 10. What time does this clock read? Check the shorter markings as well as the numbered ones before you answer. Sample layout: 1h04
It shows 11h01
